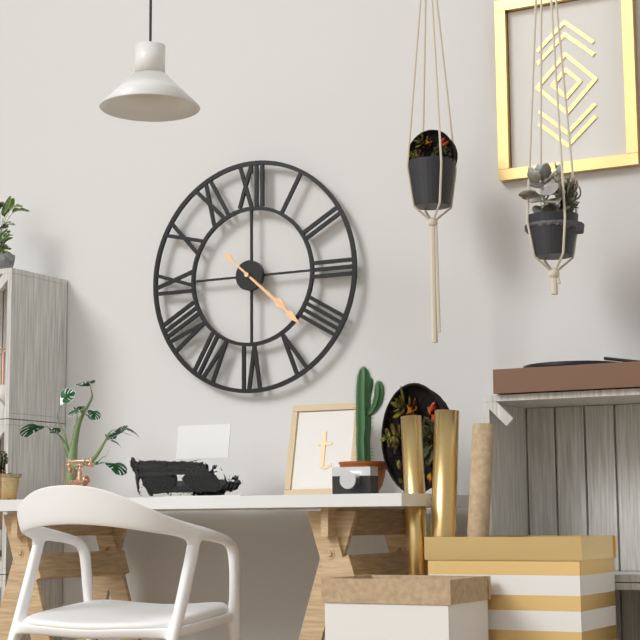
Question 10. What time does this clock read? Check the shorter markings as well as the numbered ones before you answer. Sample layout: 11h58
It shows 4h22
